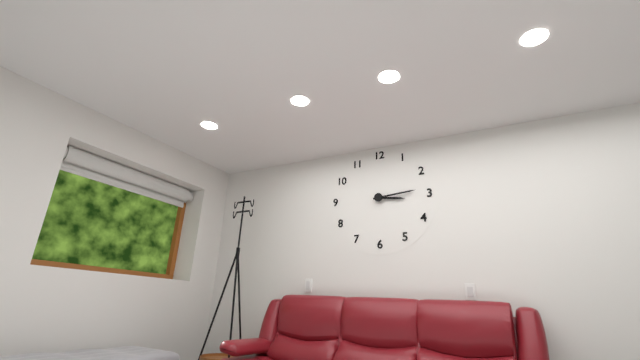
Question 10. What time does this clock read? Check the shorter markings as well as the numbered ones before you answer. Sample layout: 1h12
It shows 3h14
